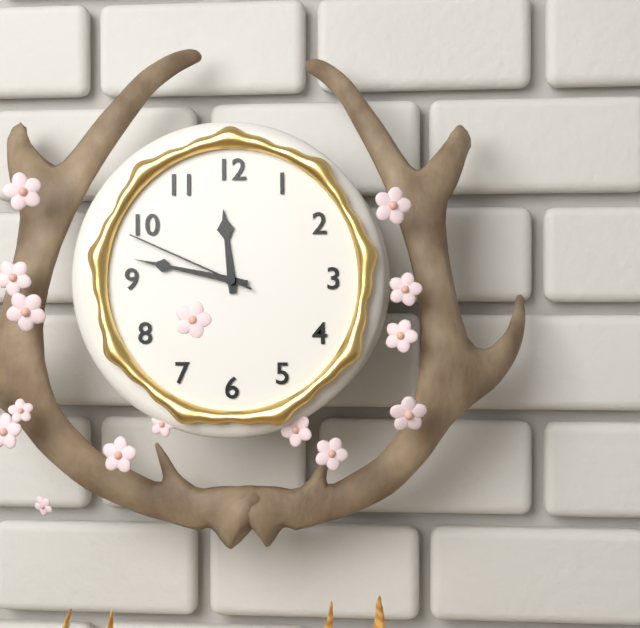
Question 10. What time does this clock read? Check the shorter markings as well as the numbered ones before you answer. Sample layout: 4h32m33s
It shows 11h47m49s
